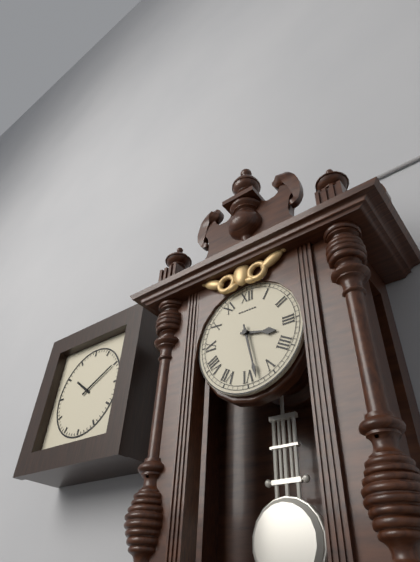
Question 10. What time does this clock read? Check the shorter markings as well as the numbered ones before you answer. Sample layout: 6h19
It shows 3h28
